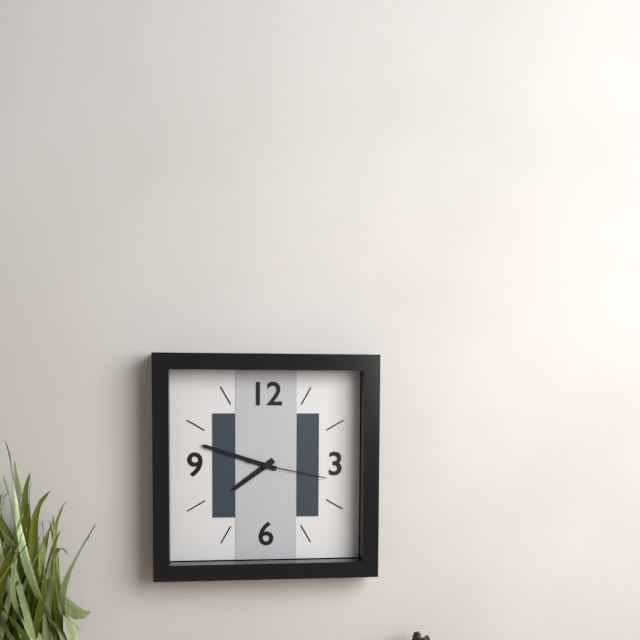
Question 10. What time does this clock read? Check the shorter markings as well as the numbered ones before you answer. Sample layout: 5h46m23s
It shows 7h48m17s
